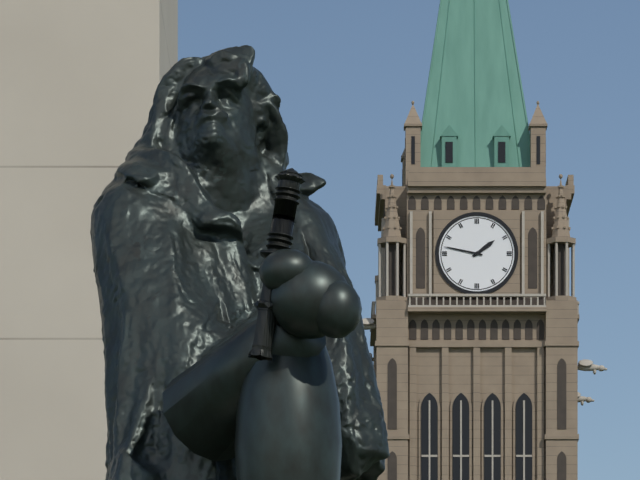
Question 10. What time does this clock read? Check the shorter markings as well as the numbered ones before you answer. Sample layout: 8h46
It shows 1h47
